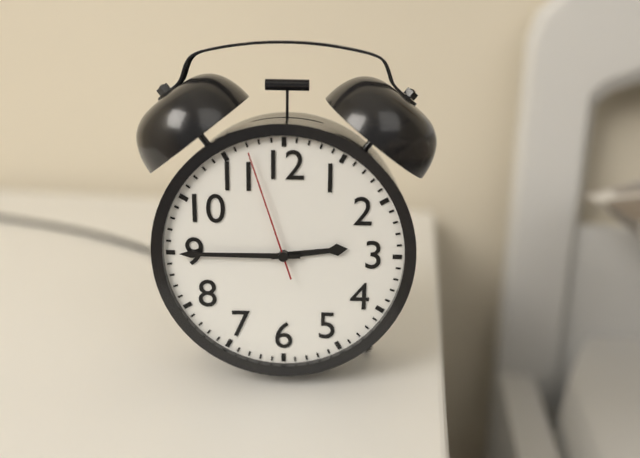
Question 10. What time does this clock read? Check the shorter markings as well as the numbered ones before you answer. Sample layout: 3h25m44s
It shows 2h45m57s
